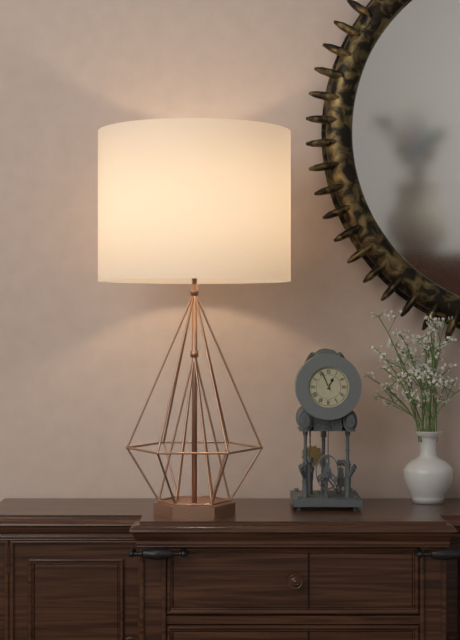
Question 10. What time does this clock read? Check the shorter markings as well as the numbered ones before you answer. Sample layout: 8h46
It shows 12h56
